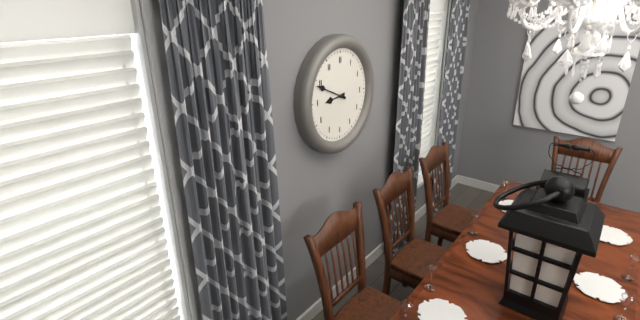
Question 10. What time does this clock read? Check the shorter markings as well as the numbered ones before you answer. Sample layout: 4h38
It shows 8h49
